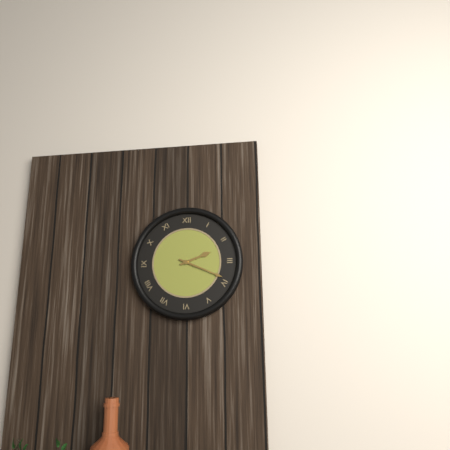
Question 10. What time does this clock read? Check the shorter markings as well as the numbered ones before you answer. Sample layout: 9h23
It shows 2h19
